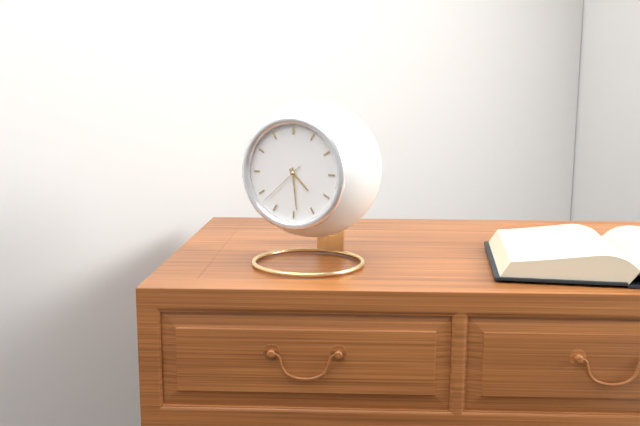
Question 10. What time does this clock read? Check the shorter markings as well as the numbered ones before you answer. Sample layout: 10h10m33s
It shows 4h29m38s
